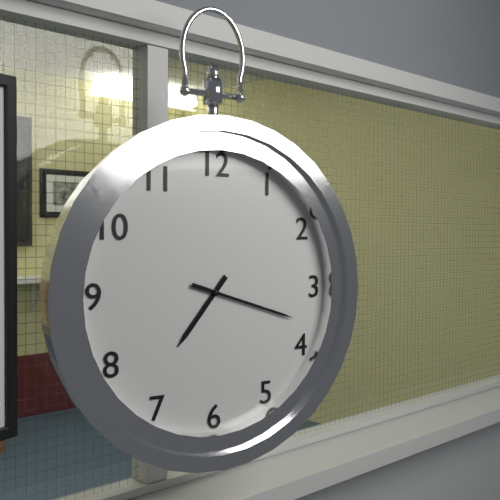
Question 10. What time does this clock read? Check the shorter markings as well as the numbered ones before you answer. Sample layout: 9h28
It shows 7h18
